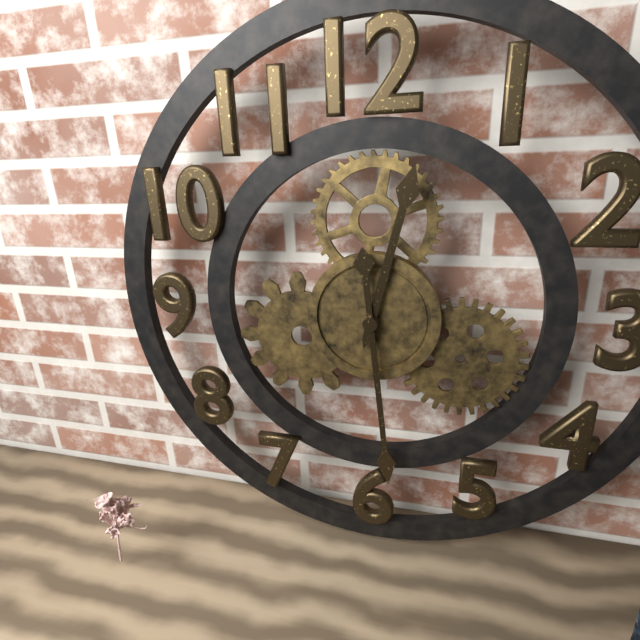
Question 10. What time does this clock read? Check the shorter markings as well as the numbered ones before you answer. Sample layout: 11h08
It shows 12h29
